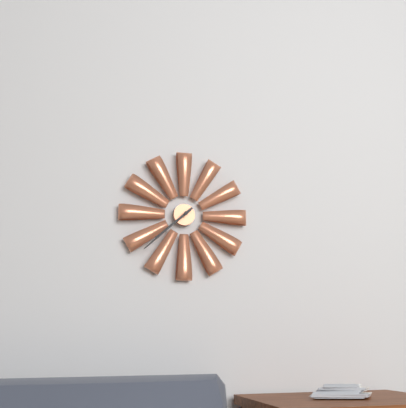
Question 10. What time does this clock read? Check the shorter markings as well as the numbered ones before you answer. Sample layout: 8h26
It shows 7h38
